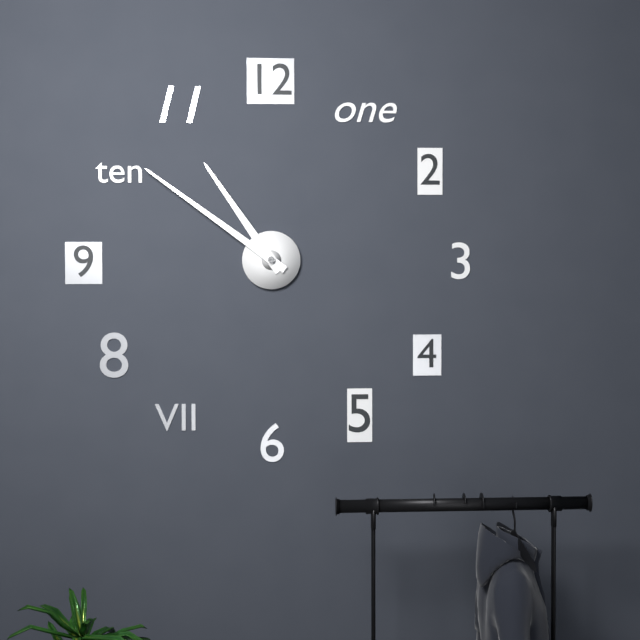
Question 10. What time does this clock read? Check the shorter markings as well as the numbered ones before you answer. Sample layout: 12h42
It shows 10h51
